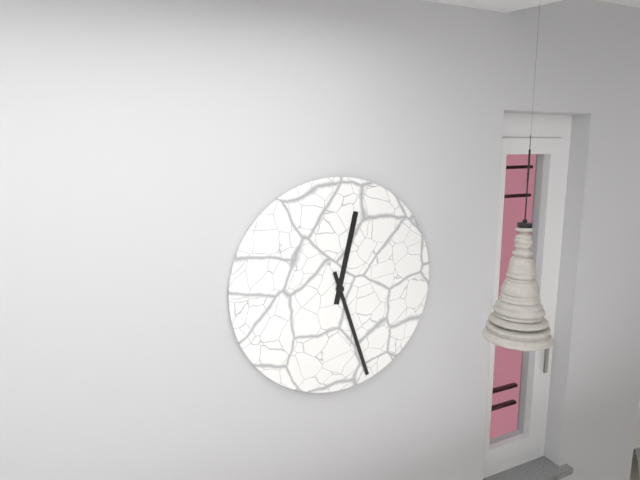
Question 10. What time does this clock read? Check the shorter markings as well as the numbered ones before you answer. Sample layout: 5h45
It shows 12h27
